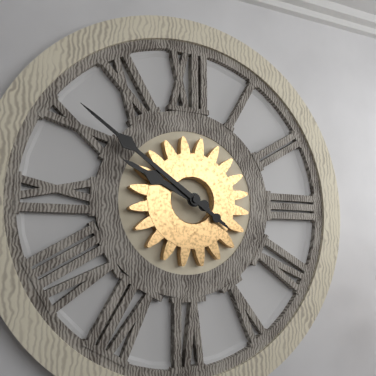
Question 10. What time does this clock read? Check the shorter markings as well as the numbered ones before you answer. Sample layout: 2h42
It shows 9h51
